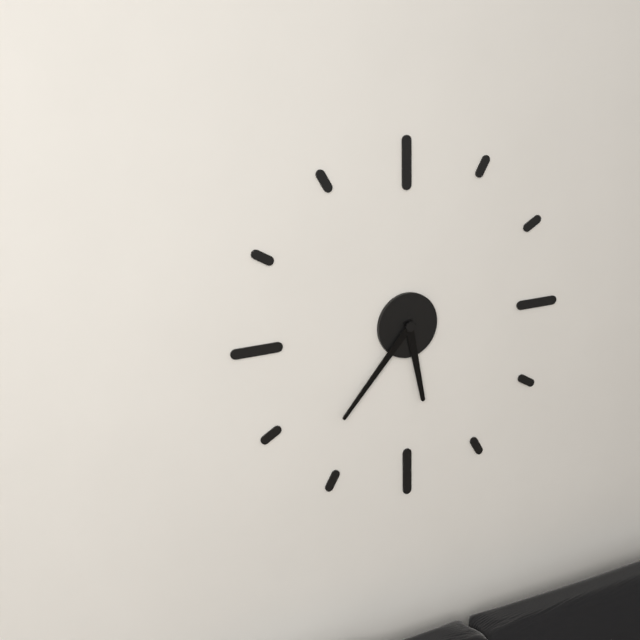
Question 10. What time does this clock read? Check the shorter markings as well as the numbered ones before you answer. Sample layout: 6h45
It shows 5h37
